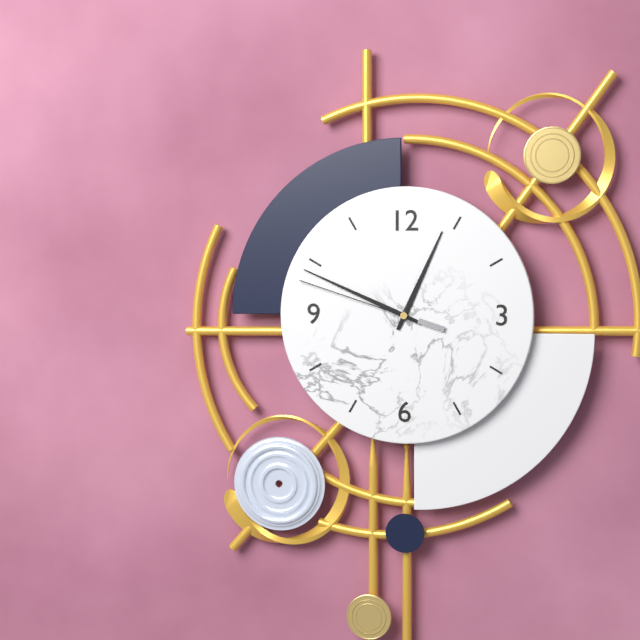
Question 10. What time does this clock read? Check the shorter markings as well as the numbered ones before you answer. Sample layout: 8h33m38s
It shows 12h49m48s
